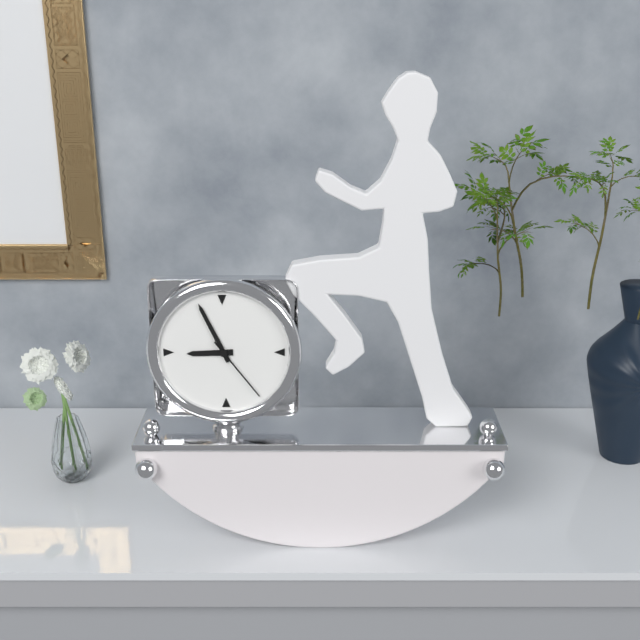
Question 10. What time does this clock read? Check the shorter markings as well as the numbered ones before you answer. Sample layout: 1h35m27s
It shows 8h56m24s
